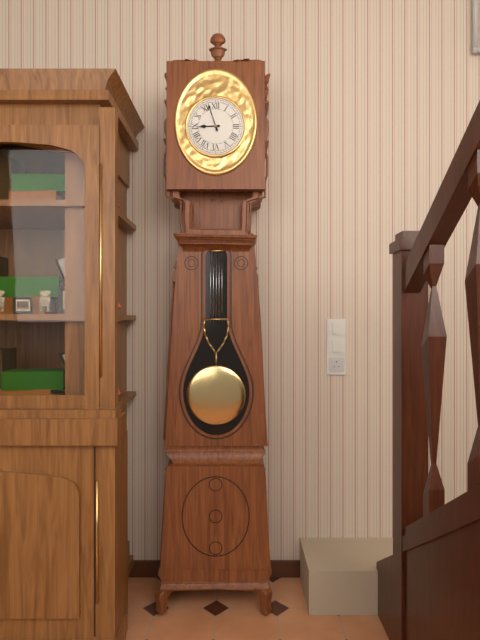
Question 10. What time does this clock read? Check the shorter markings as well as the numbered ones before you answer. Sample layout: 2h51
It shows 8h57
